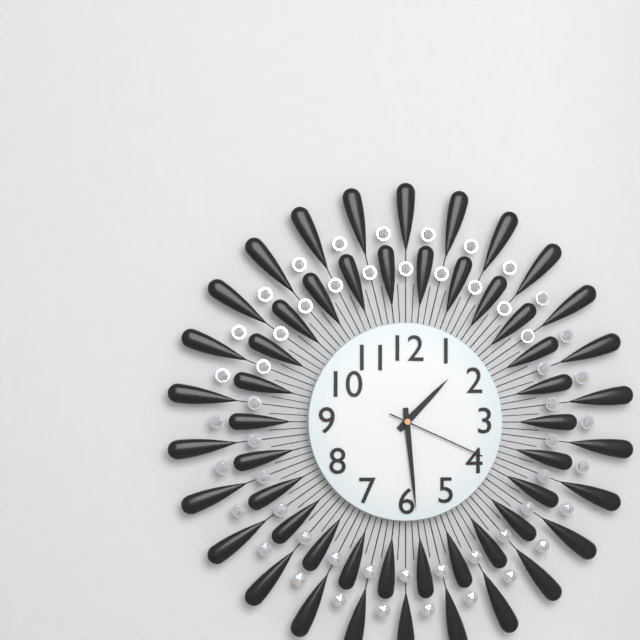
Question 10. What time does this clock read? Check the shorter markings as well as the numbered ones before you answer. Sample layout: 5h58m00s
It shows 1h29m19s
